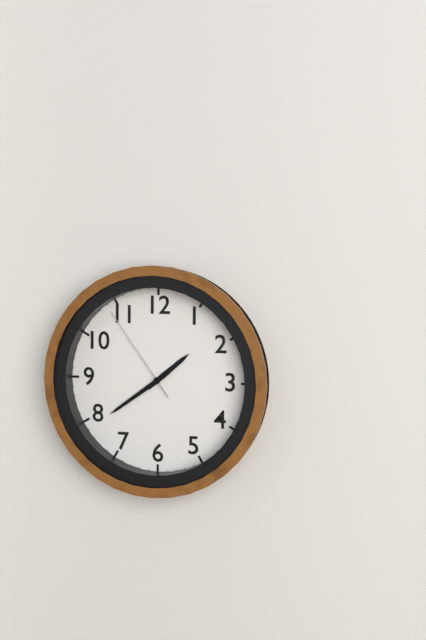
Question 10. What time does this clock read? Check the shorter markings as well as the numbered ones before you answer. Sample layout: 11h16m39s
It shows 1h39m54s
